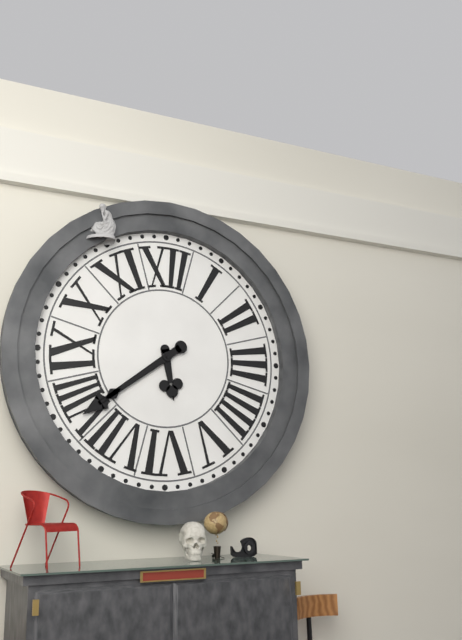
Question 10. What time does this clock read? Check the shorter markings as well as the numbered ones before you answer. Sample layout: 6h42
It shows 5h39
